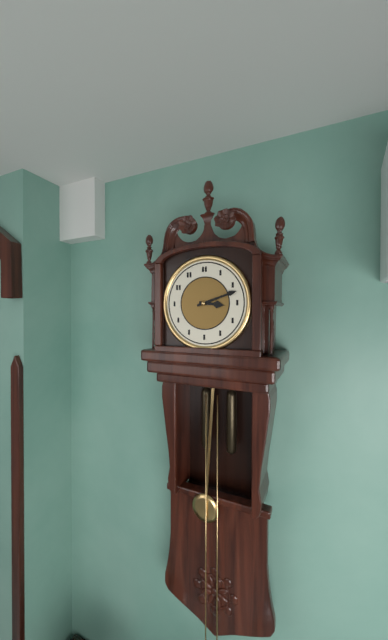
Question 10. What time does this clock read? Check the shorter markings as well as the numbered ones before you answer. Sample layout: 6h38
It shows 3h12
